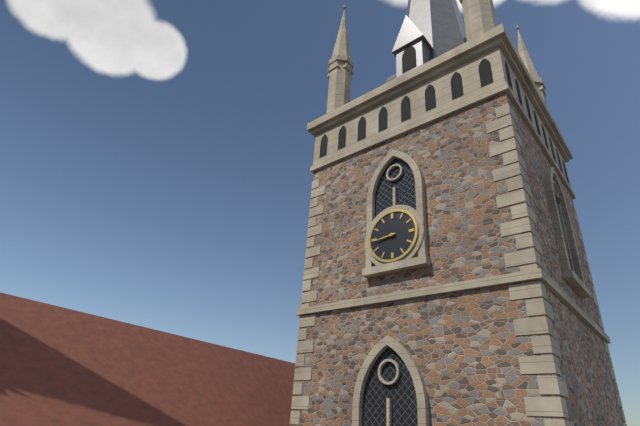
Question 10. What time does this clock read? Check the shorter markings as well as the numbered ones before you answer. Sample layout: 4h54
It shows 8h44
